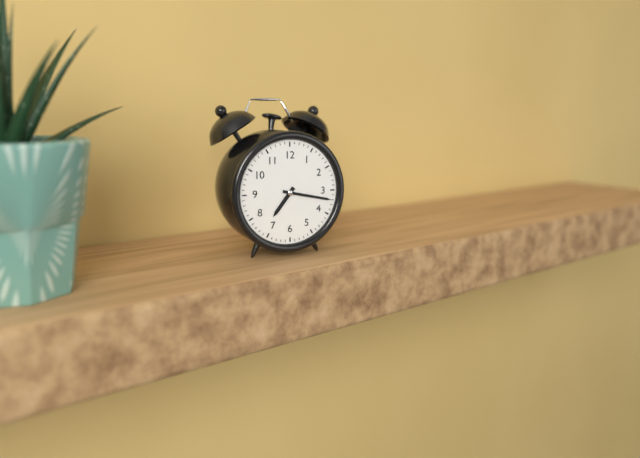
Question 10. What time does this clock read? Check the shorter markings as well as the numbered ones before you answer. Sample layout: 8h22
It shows 7h17
